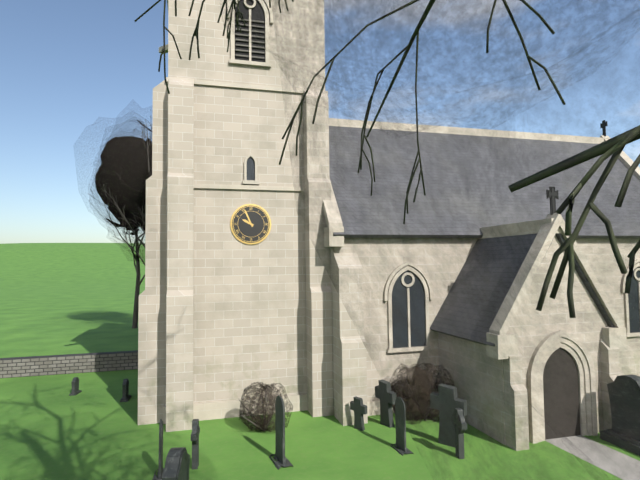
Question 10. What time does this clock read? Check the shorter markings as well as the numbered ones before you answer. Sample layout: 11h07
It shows 9h56
